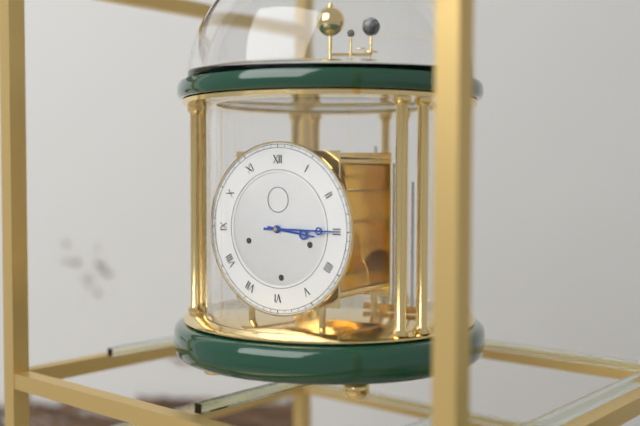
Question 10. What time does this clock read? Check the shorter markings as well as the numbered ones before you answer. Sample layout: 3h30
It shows 3h15
